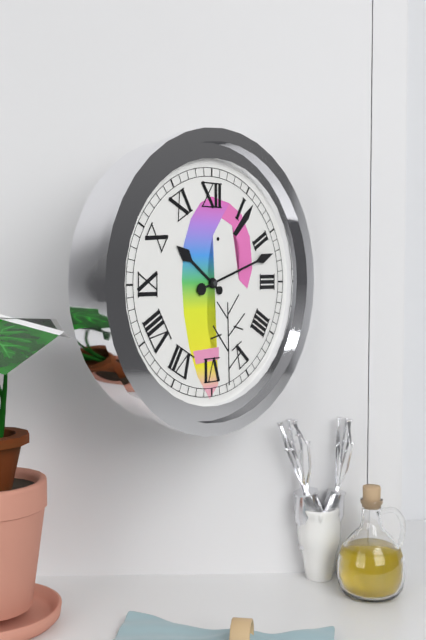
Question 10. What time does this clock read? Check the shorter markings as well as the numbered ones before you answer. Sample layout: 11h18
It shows 10h12
